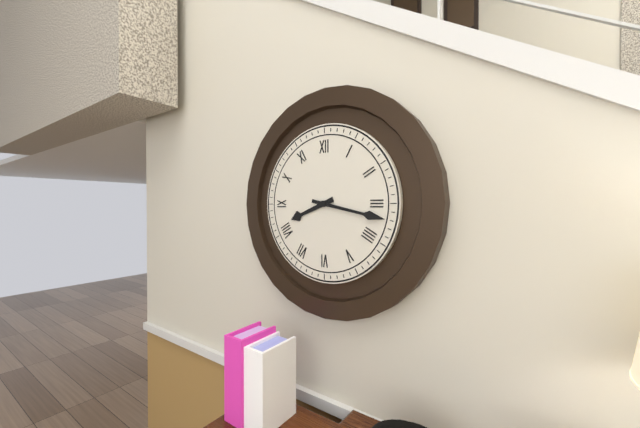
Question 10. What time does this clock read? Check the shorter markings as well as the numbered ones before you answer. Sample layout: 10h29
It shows 8h17
